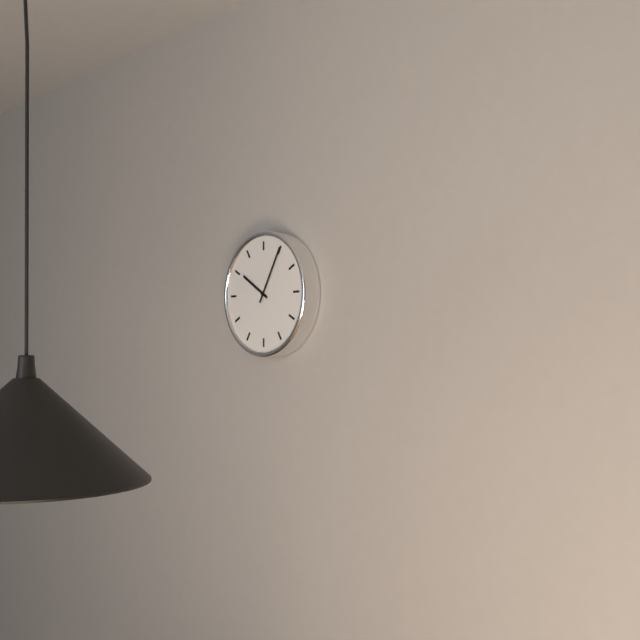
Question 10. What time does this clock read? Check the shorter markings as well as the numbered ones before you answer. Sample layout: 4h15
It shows 10h05
